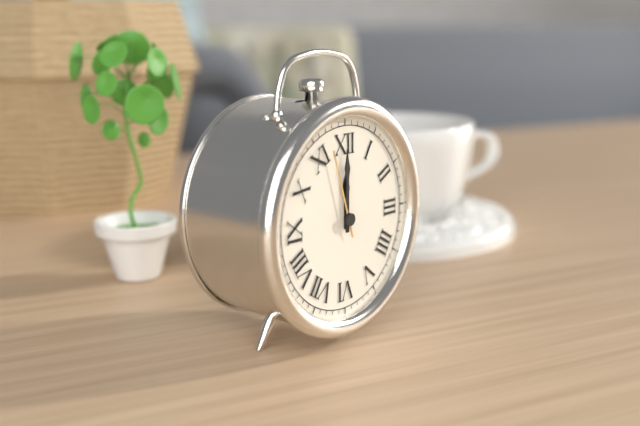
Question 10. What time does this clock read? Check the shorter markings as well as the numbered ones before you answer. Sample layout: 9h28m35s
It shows 12h00m57s
